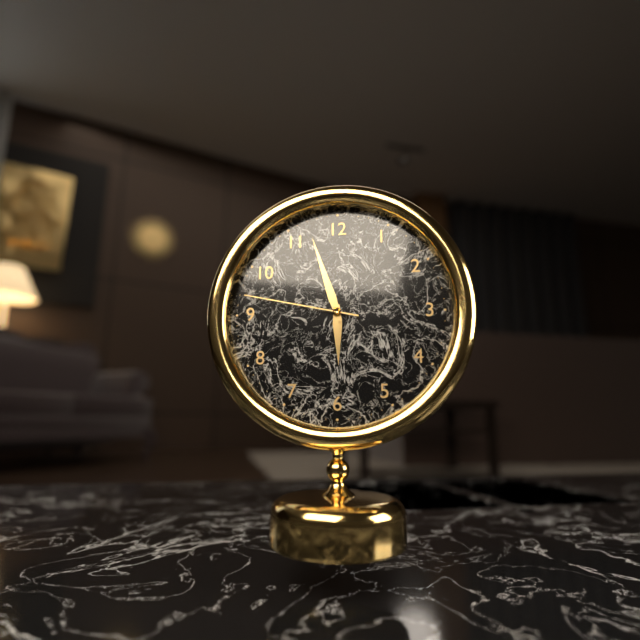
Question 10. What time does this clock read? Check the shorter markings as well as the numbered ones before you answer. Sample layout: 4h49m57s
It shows 5h57m47s
